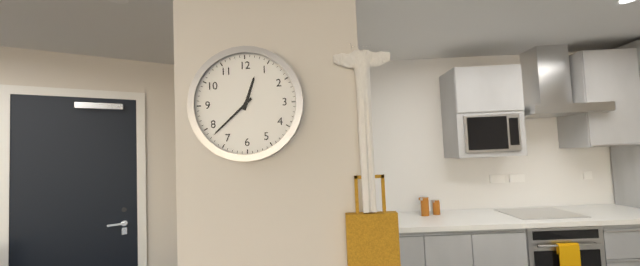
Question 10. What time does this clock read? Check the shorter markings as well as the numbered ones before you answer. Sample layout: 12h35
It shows 12h38
